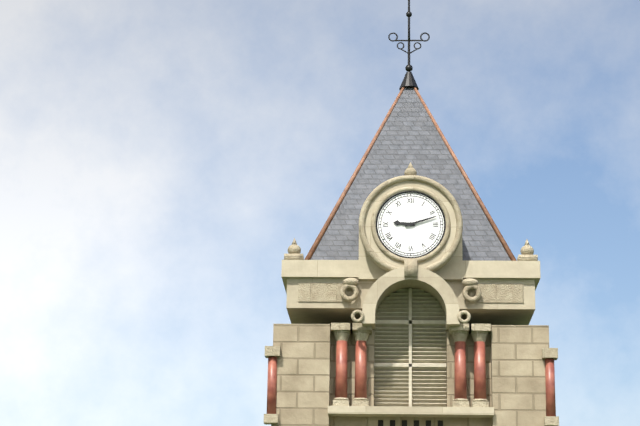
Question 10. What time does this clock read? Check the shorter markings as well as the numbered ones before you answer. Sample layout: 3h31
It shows 9h12
